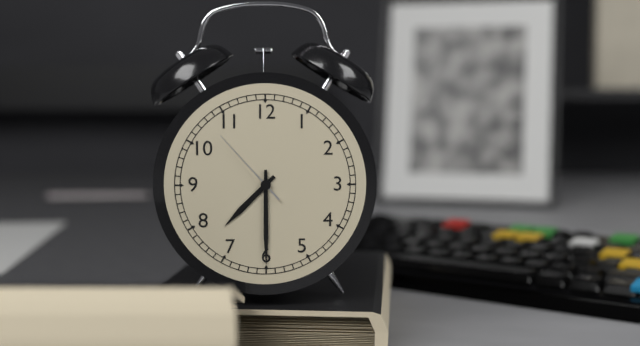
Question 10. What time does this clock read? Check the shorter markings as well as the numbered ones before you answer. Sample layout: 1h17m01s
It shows 7h30m53s
